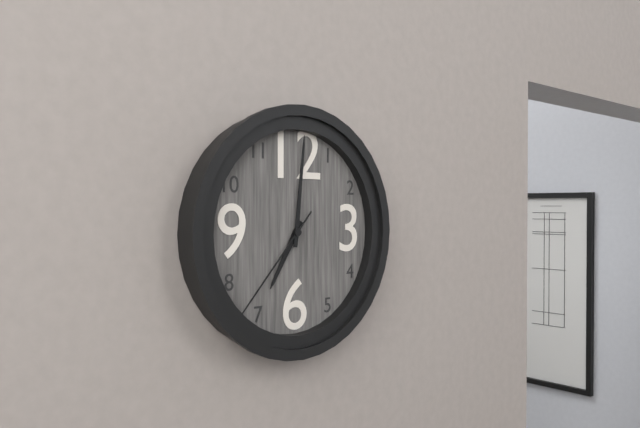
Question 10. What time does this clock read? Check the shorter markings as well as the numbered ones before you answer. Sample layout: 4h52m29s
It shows 7h01m37s
